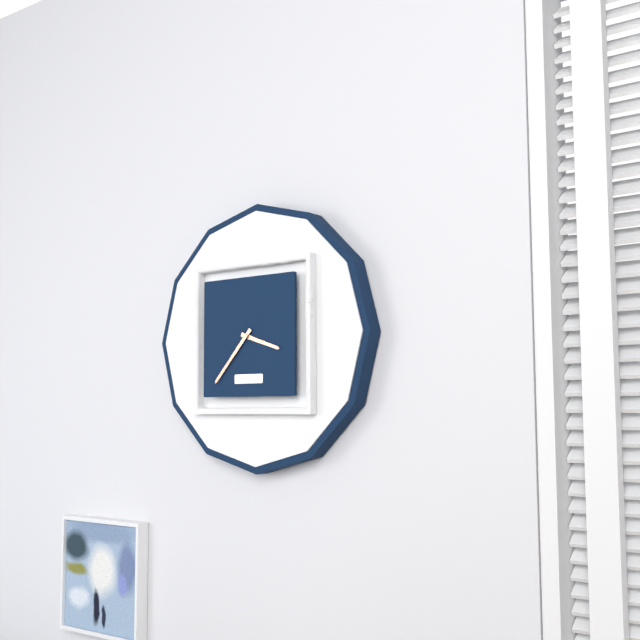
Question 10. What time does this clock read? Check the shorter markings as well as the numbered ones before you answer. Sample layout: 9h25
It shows 3h37
